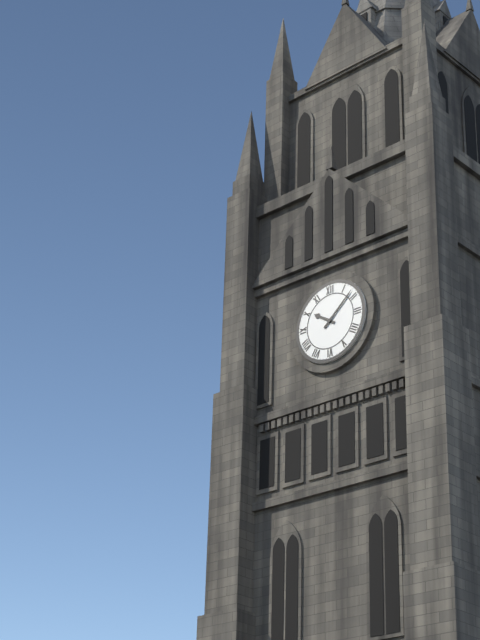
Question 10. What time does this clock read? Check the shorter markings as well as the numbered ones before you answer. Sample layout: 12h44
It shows 10h08
